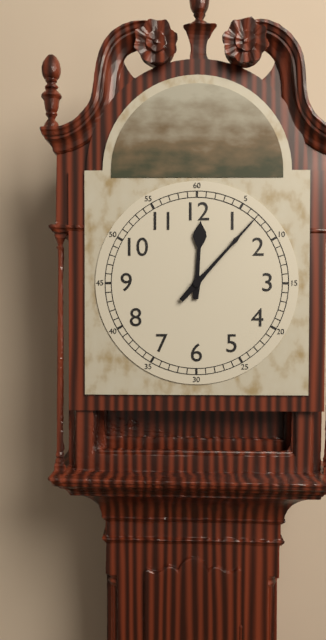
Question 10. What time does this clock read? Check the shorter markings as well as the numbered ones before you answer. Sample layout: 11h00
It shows 12h07
